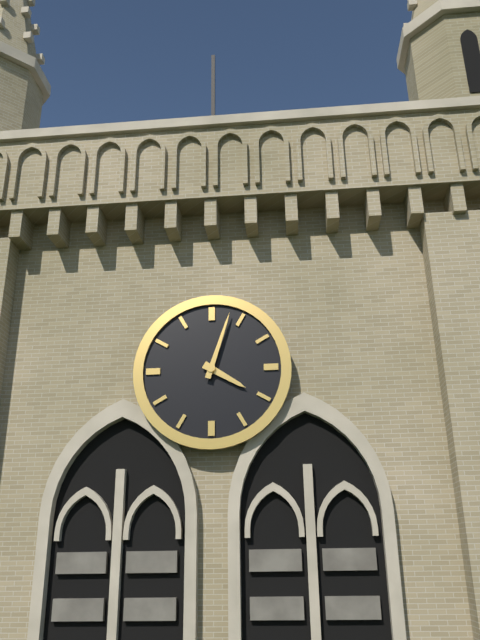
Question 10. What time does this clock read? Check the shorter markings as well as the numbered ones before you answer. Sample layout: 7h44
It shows 4h03
